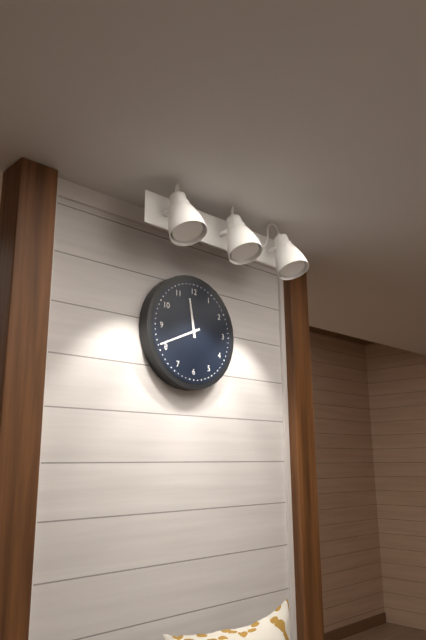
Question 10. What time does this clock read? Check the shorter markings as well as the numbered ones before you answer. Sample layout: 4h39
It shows 11h41
